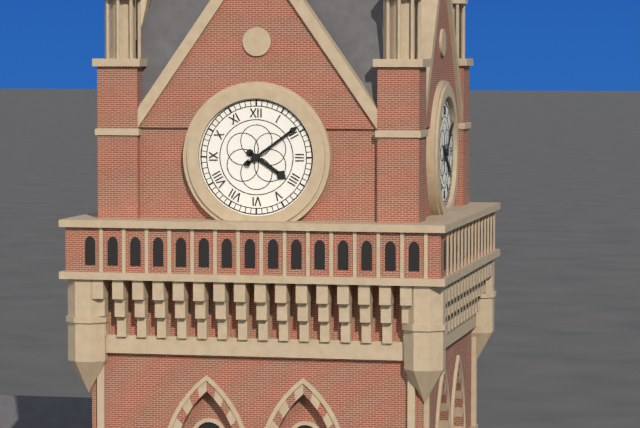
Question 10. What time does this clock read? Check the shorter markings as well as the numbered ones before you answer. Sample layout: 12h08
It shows 4h09
